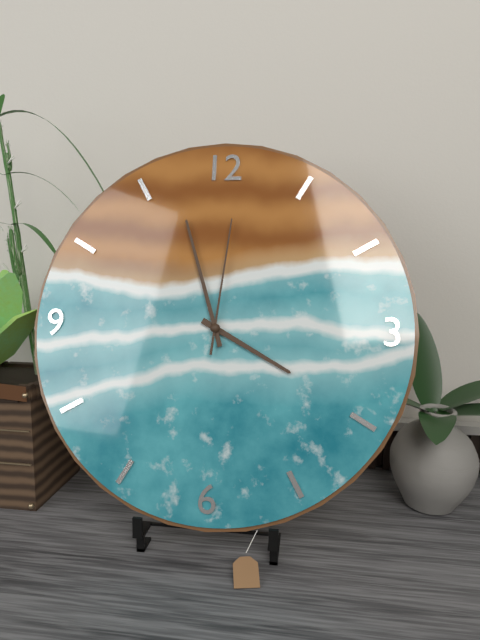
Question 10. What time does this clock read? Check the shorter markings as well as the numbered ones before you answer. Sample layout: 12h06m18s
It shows 3h57m01s
